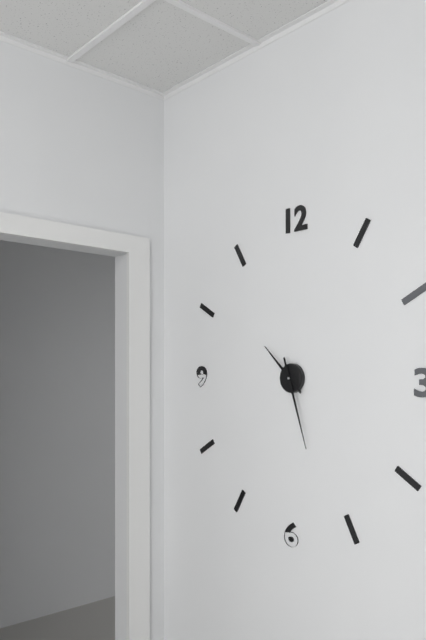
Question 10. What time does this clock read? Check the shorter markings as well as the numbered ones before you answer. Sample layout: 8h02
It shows 10h27
